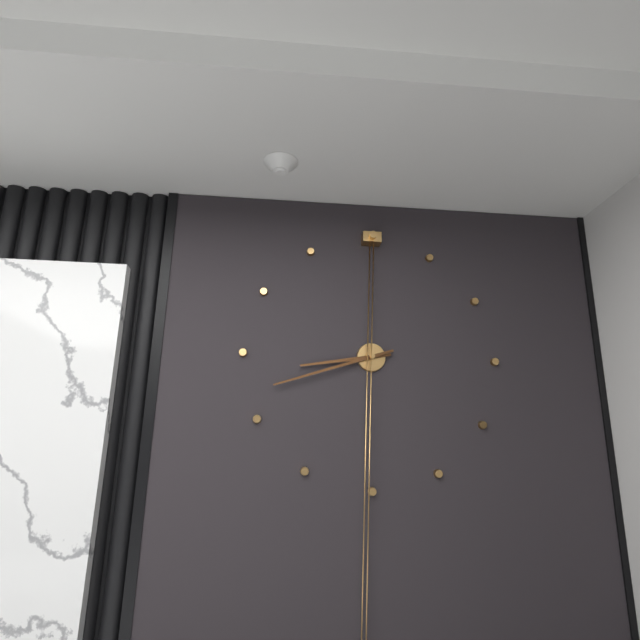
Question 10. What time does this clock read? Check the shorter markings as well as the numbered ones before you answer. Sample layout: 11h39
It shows 8h42
